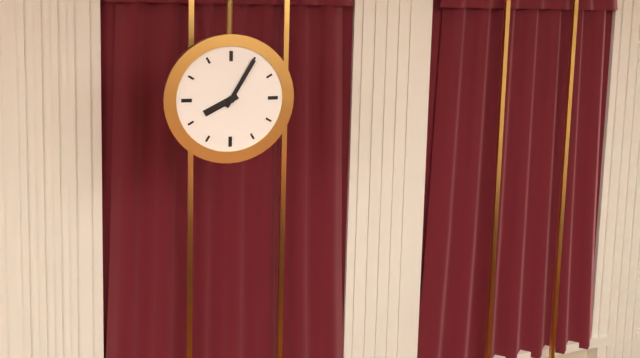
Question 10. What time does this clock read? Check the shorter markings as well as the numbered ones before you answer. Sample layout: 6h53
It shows 8h05
